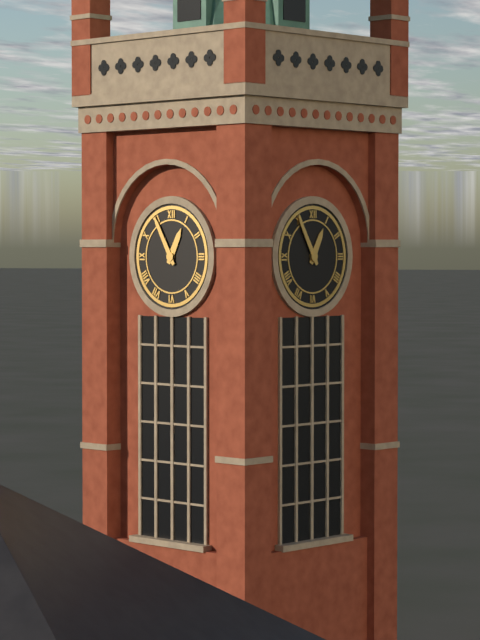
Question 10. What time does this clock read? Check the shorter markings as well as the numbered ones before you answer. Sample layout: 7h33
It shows 12h55
